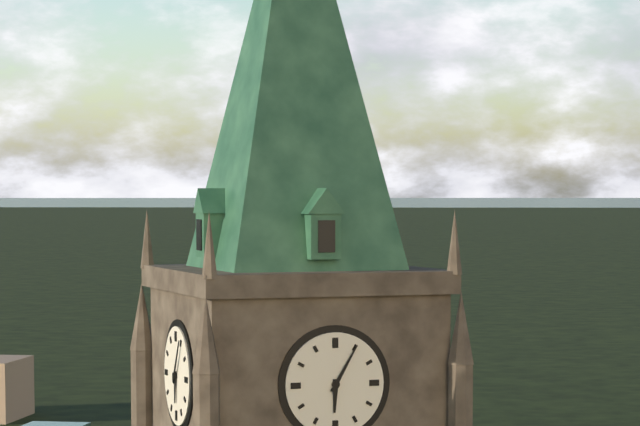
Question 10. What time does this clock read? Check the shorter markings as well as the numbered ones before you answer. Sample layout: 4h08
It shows 6h05
